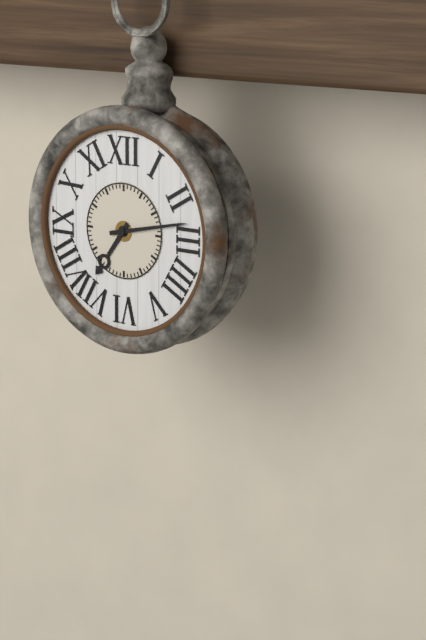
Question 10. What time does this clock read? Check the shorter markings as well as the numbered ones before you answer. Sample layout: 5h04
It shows 7h13
